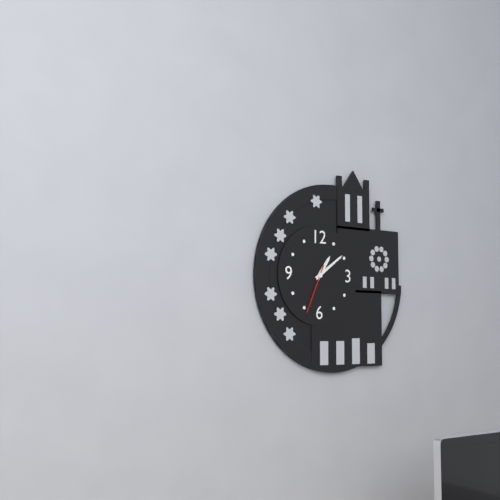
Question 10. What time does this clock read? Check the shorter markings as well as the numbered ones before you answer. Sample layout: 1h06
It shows 1h09
